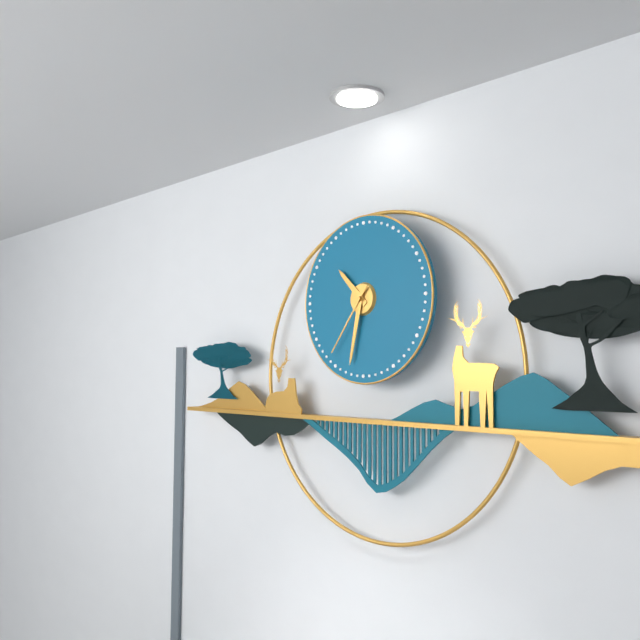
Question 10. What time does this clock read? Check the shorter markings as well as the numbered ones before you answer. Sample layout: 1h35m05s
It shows 10h32m36s
